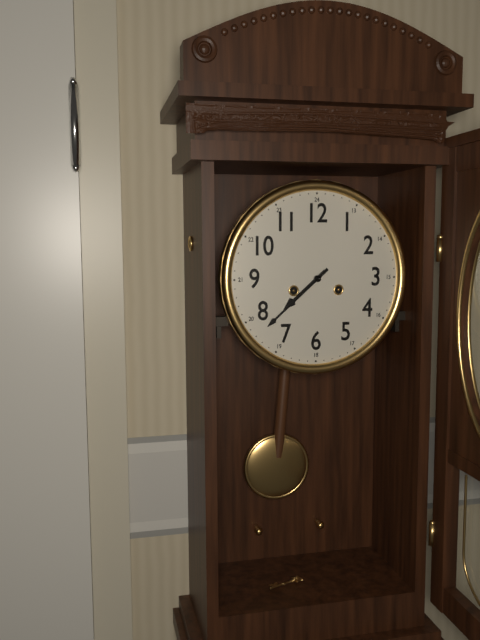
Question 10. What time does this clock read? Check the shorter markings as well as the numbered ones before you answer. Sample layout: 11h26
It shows 7h38
